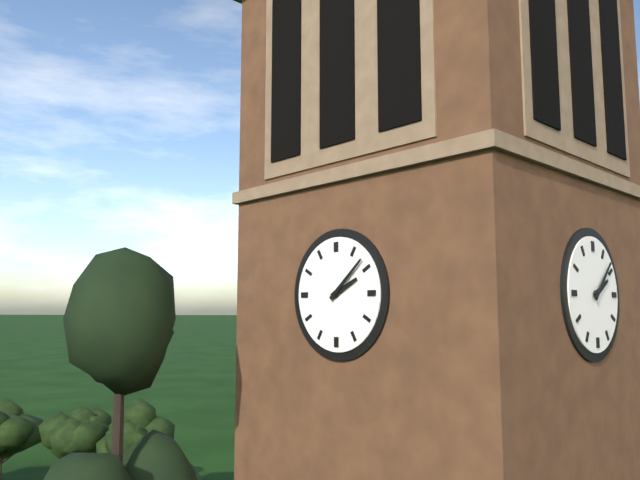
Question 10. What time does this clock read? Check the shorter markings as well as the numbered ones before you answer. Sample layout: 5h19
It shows 2h08
